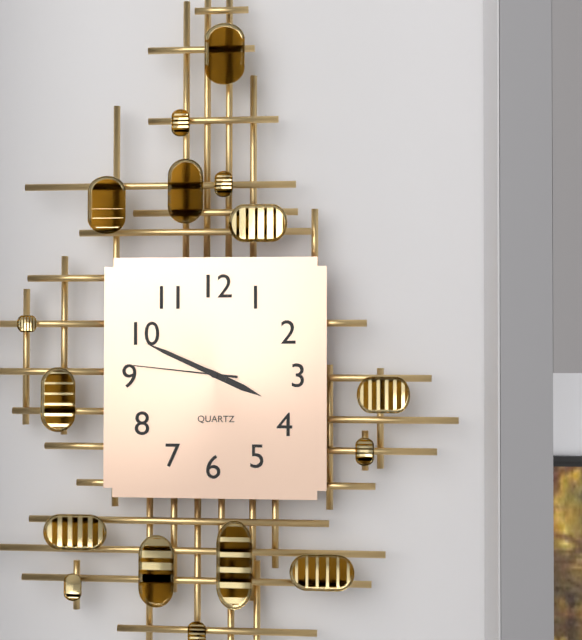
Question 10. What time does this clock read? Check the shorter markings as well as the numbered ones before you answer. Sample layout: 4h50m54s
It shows 3h49m46s
